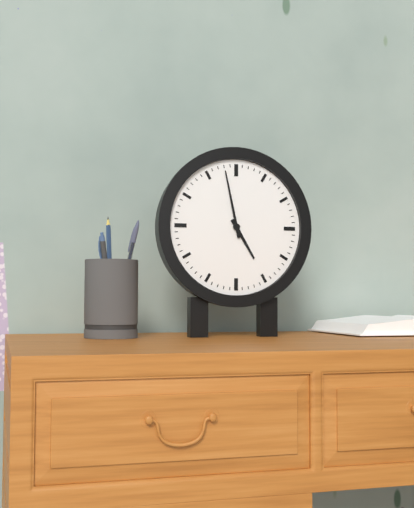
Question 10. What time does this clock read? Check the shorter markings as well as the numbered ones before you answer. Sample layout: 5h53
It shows 4h58
